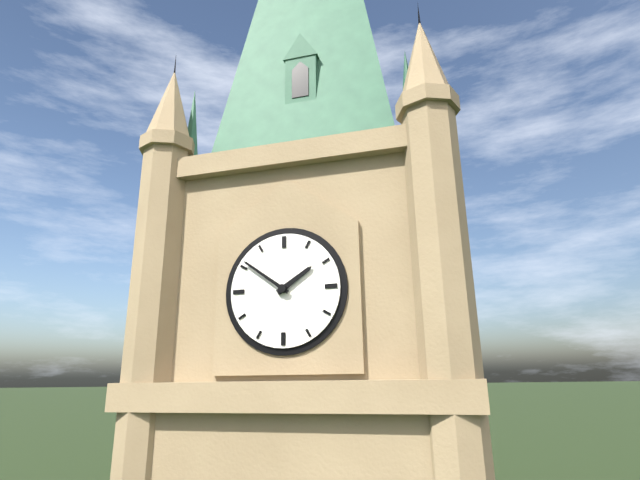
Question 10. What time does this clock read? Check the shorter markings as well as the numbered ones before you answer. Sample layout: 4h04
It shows 1h51
